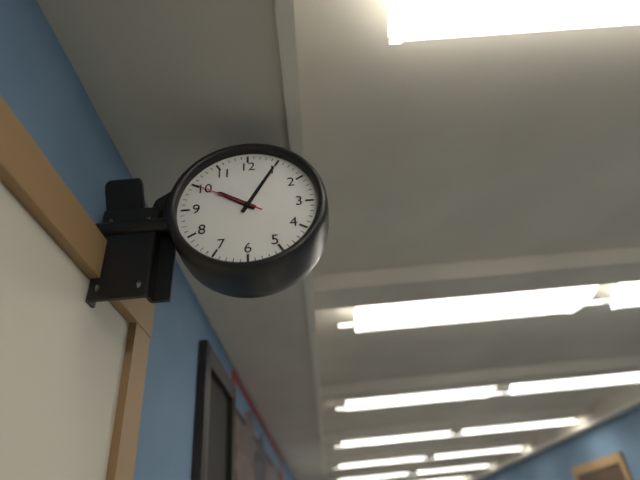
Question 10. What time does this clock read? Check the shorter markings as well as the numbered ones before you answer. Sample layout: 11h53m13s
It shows 10h05m50s
